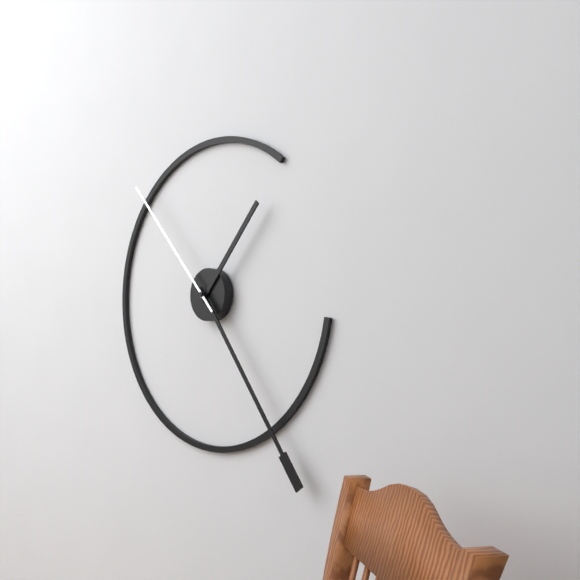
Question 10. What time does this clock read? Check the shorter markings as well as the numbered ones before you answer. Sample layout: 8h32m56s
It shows 1h24m53s
